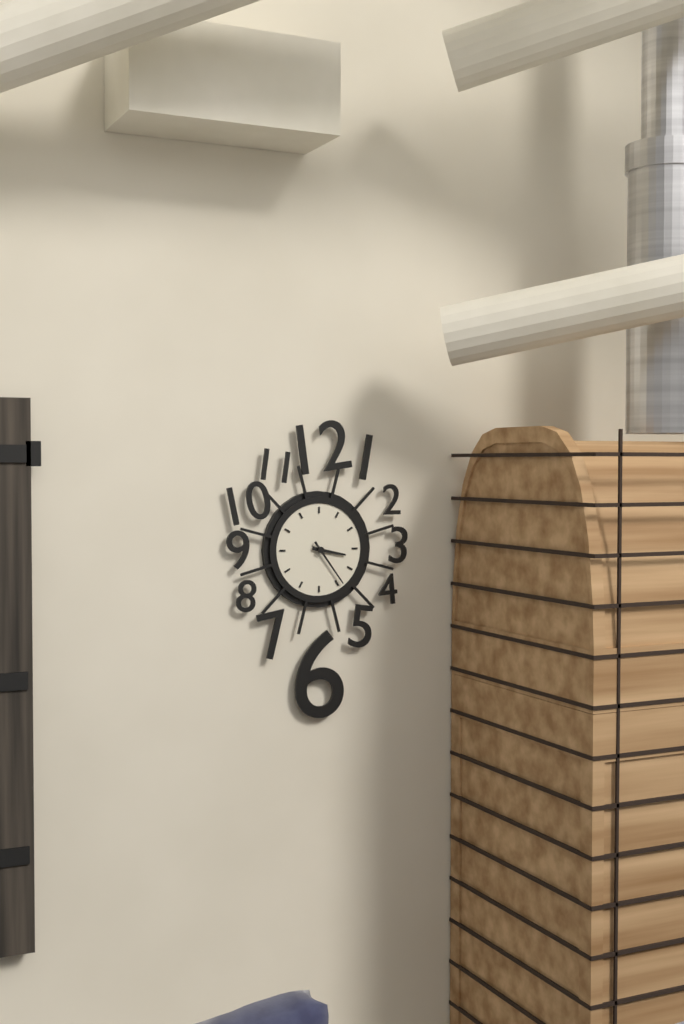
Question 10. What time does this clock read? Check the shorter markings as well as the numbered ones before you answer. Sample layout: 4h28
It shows 3h24
